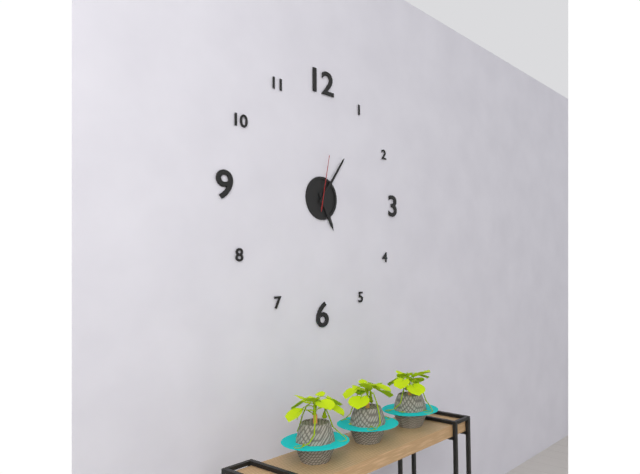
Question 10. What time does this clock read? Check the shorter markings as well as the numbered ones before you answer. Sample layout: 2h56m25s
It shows 5h06m02s
